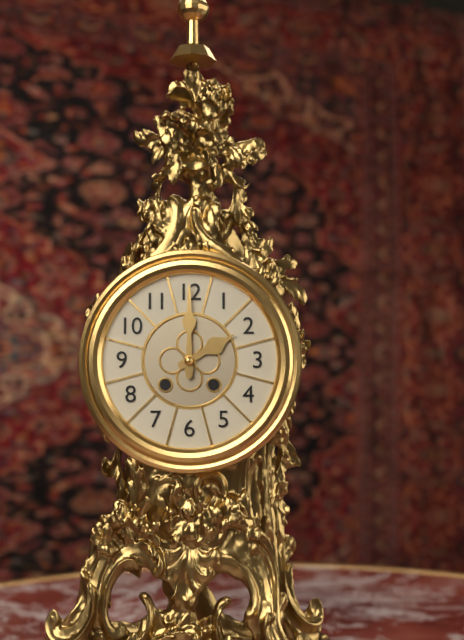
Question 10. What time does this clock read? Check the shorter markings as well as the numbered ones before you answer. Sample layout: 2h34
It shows 2h00
